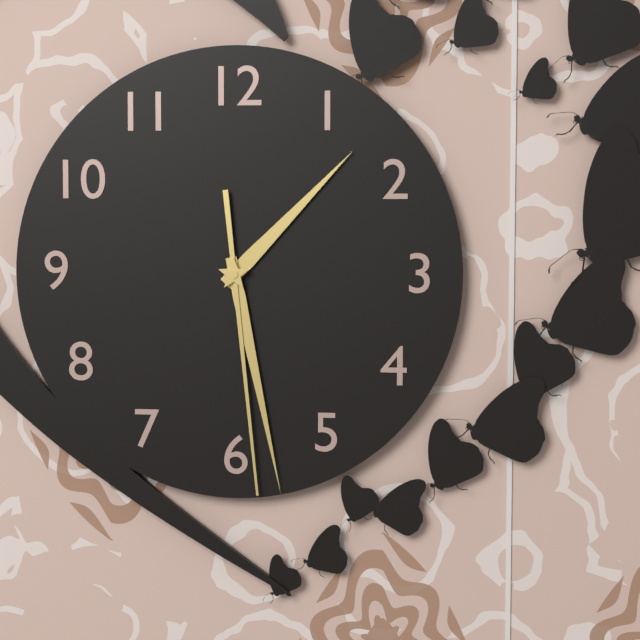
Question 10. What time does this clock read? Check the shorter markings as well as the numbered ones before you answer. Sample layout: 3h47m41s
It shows 1h28m29s
